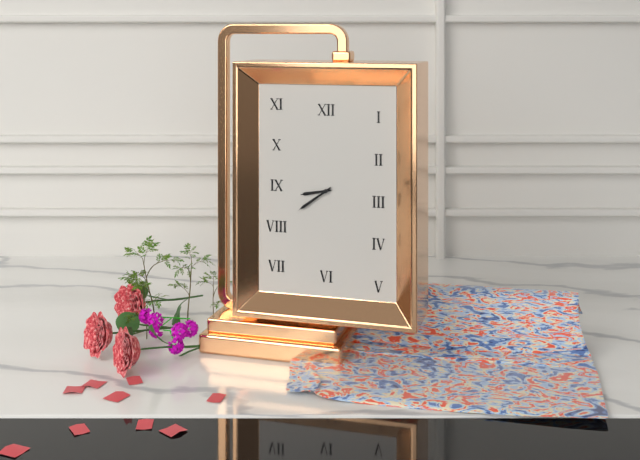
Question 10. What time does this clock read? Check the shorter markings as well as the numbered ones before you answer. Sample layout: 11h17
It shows 8h39
